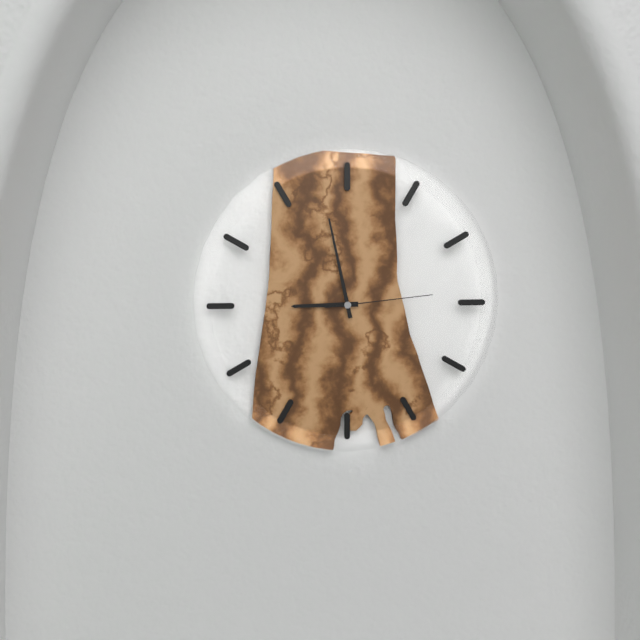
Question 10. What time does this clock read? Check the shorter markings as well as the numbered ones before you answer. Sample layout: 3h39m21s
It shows 8h58m14s
